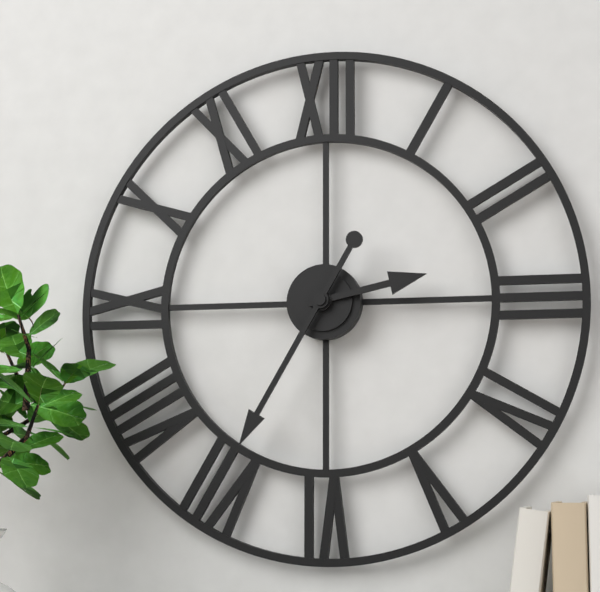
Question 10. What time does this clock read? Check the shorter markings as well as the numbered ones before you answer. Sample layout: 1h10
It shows 2h35
